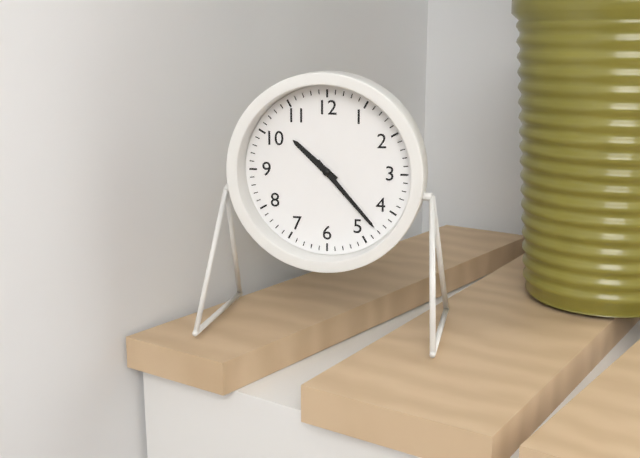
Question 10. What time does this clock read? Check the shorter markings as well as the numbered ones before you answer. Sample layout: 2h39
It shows 10h23
